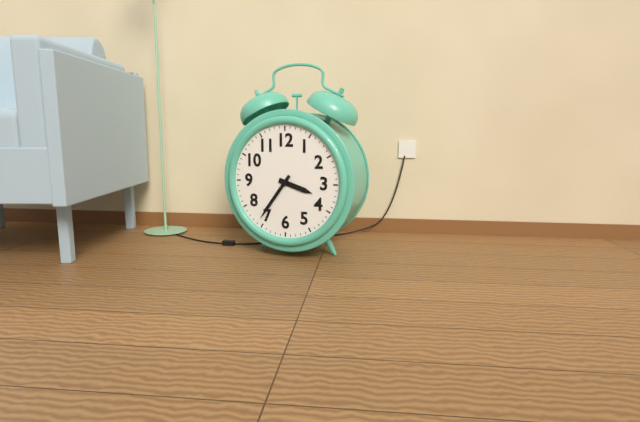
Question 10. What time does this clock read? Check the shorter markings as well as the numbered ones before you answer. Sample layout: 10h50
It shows 3h36
